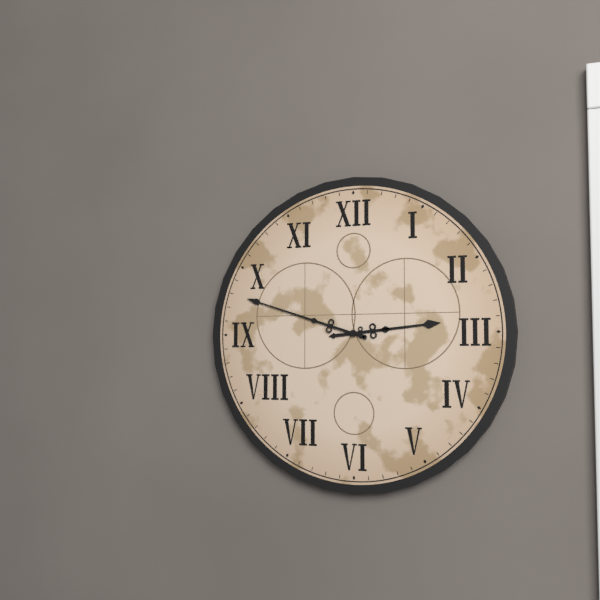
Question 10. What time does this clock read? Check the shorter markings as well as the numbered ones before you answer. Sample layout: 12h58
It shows 2h48
